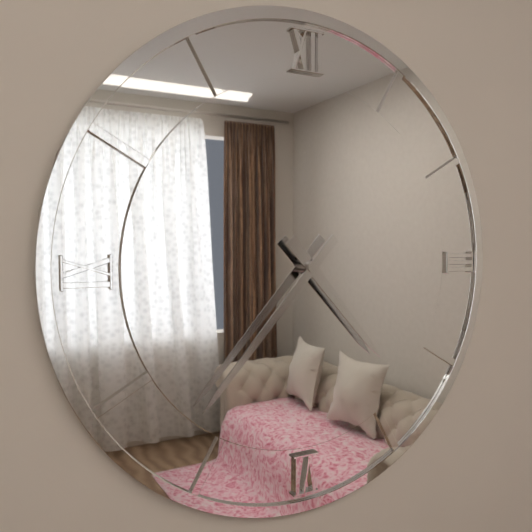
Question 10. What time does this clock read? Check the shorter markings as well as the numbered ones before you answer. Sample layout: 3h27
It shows 4h37
